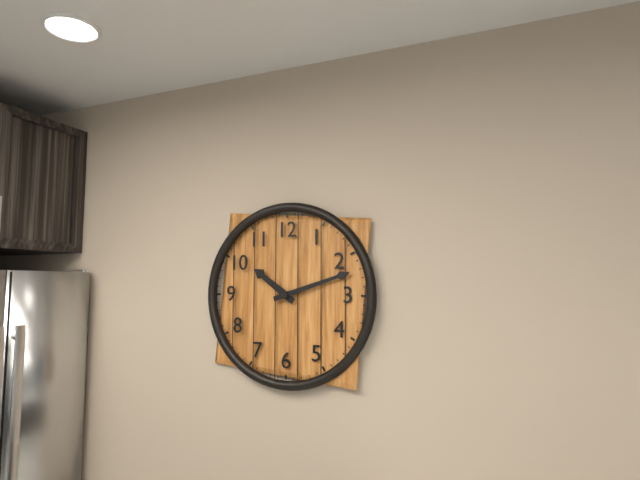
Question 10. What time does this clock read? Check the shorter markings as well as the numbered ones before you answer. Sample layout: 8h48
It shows 10h12
